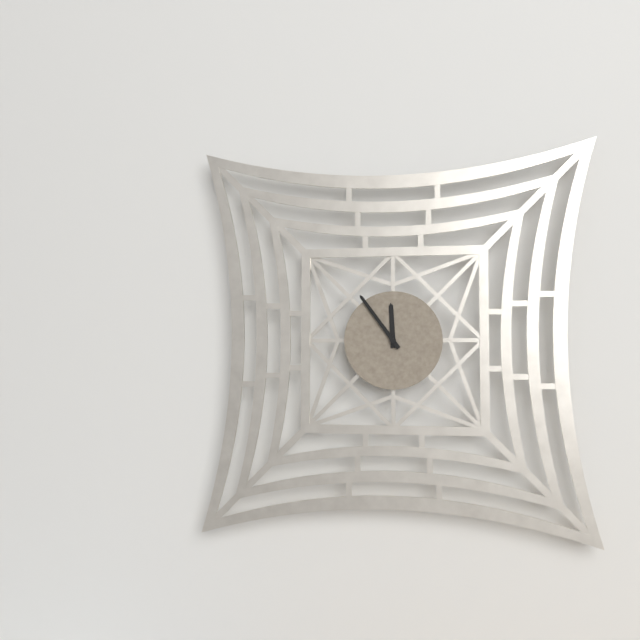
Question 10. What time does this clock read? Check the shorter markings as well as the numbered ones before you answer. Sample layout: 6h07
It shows 11h54
